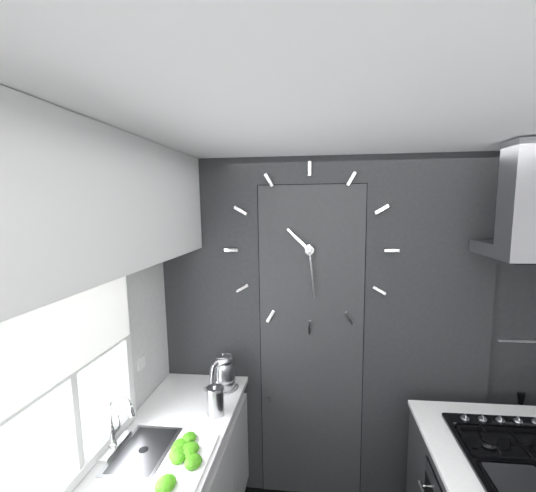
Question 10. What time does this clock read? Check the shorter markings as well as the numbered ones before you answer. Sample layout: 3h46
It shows 10h29
